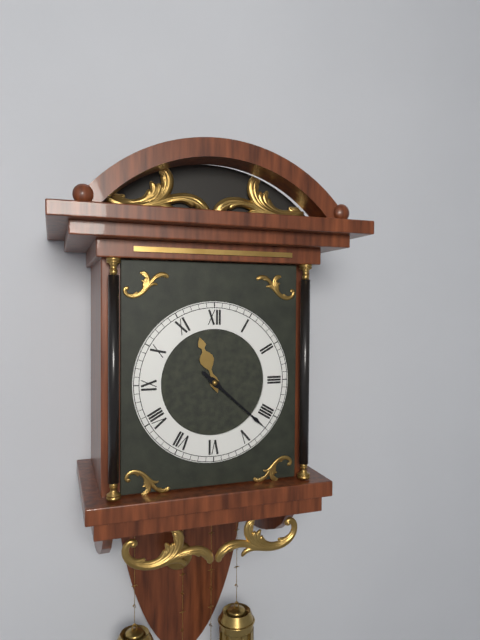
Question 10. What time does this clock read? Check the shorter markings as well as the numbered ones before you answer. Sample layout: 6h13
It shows 11h22
